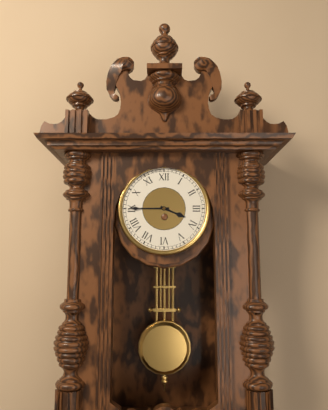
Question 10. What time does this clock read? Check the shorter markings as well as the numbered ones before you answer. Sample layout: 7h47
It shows 3h45
